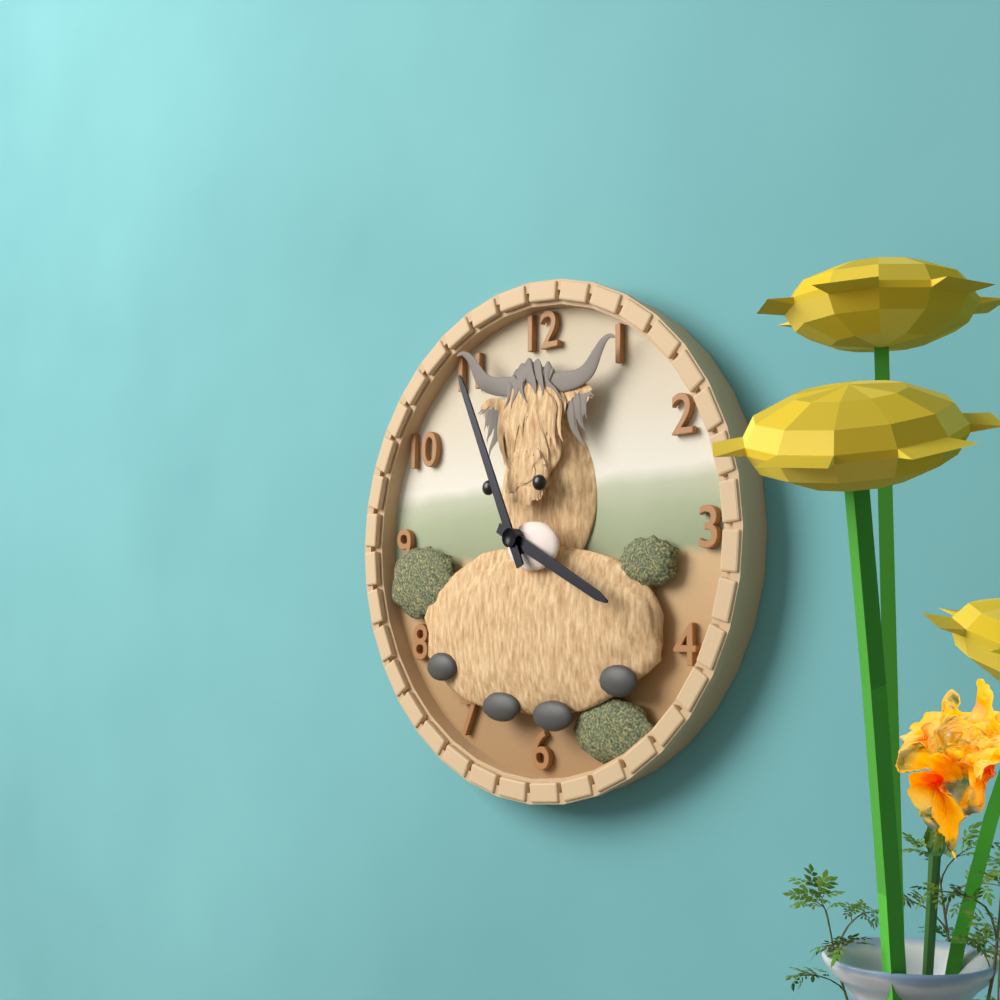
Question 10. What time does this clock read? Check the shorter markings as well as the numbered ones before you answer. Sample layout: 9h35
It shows 3h56
